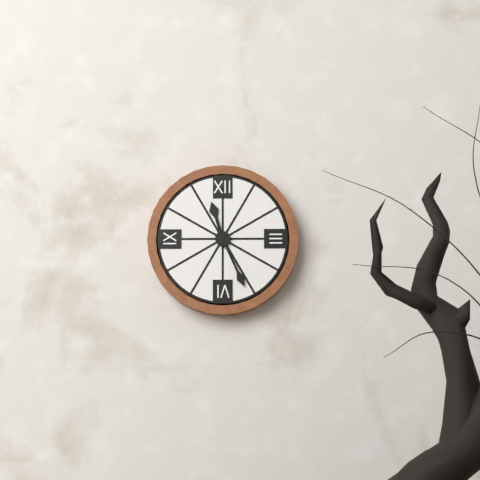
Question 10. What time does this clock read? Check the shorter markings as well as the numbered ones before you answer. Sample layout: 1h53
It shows 11h26
